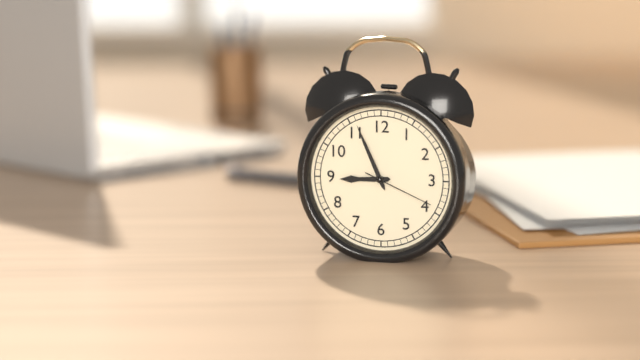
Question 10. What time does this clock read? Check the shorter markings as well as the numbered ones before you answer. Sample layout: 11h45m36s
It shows 8h56m19s
